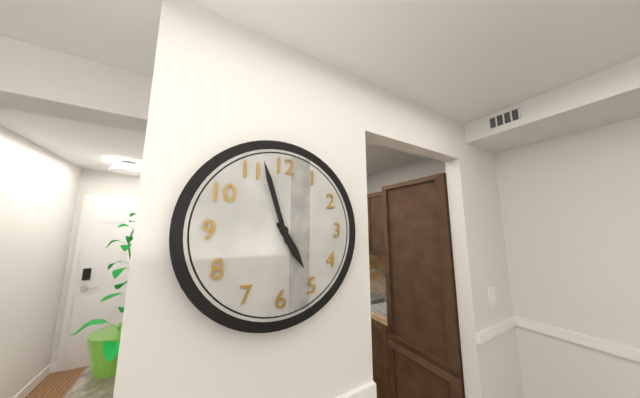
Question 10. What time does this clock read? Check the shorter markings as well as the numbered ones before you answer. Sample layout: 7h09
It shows 4h57
